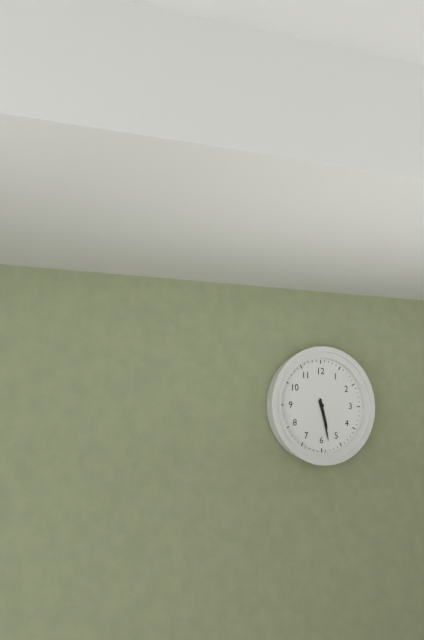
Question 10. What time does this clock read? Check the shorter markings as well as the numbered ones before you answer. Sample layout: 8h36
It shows 5h28
